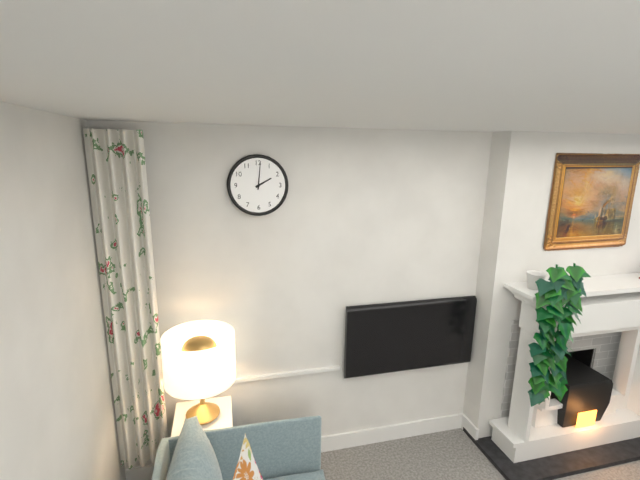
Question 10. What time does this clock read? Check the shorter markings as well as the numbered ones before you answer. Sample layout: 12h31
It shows 2h01
